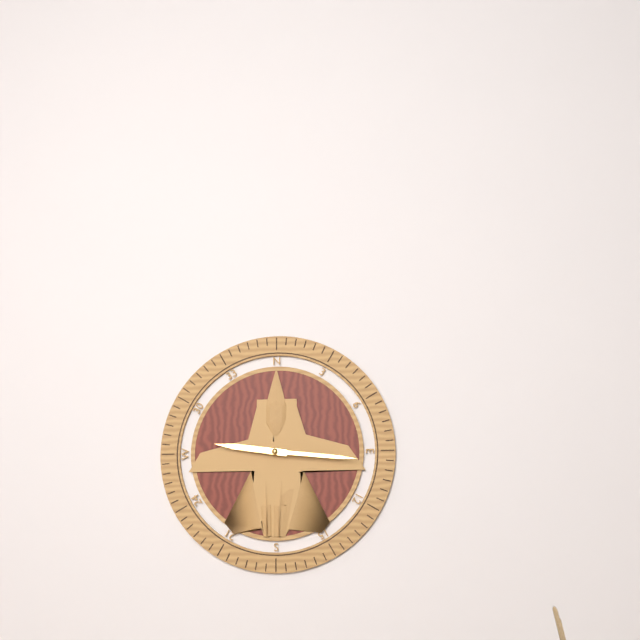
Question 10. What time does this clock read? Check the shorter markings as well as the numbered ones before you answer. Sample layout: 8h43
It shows 9h16
